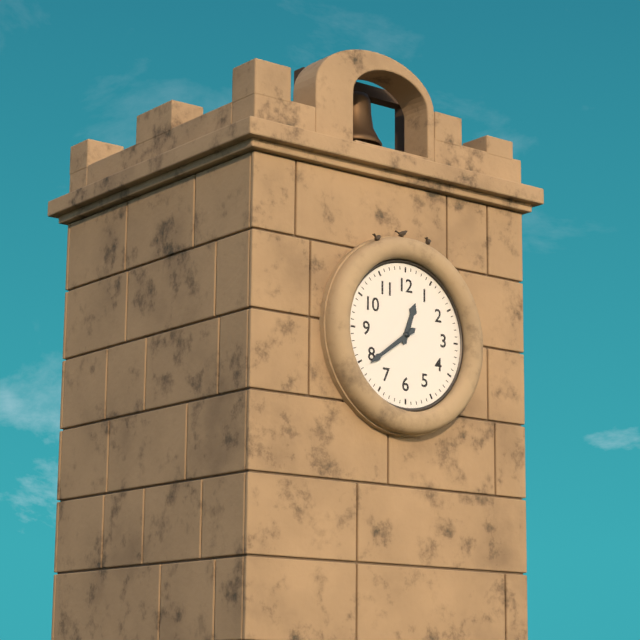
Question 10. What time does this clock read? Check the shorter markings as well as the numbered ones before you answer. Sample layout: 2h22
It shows 12h39
